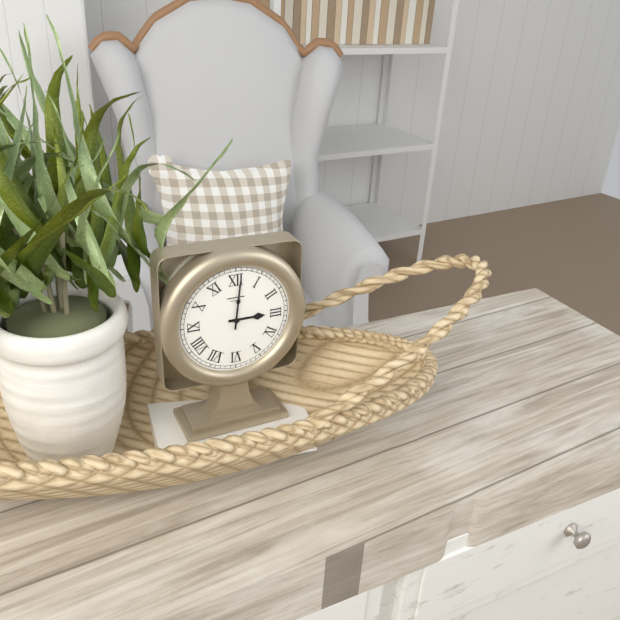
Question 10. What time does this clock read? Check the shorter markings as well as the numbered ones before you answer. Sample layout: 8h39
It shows 3h01
